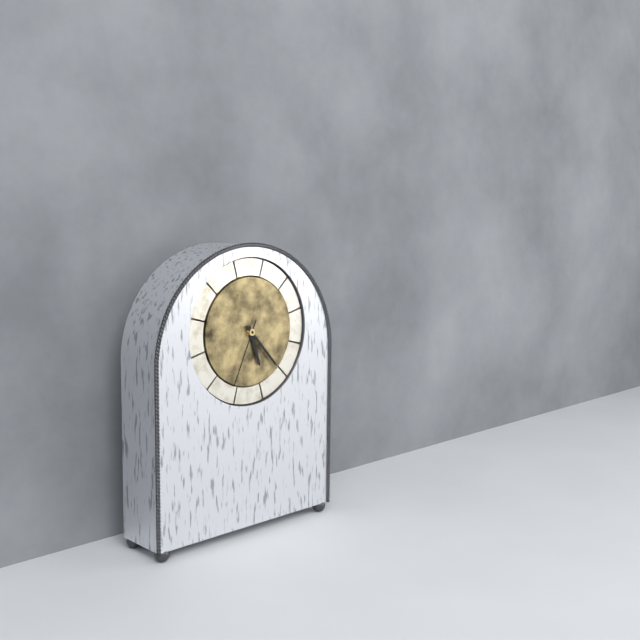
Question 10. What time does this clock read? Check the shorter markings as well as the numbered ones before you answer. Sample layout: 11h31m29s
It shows 5h23m34s
